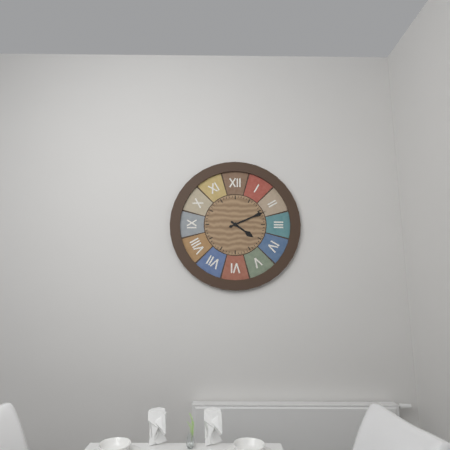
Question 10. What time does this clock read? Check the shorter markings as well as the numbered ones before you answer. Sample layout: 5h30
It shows 4h11
